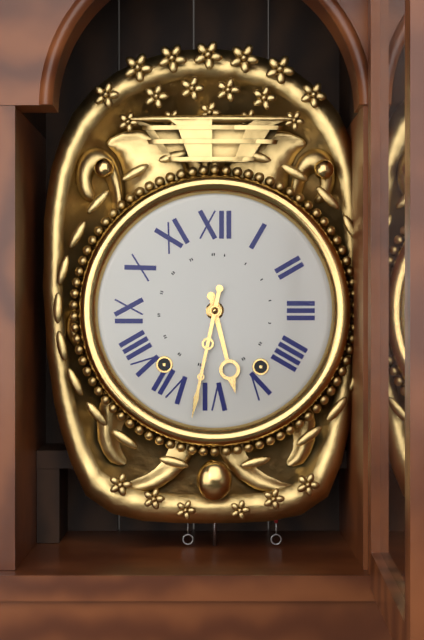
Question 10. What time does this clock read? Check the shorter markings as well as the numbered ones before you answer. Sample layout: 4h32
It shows 5h32
